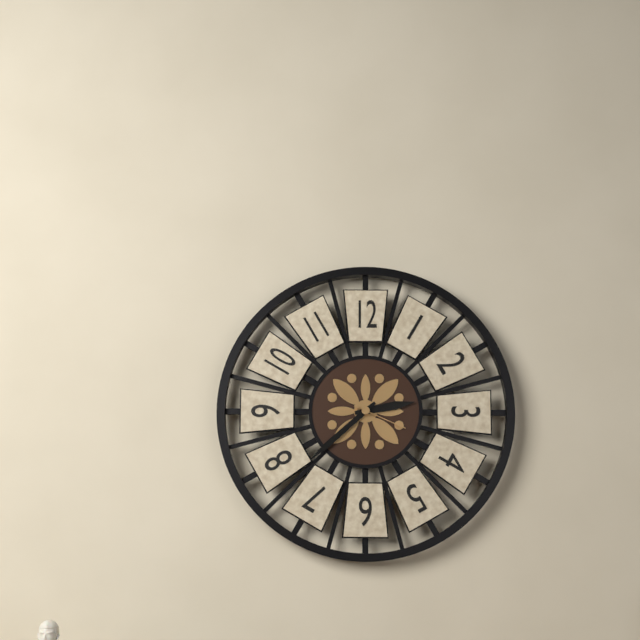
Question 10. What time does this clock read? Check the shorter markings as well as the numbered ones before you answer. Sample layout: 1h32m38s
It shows 2h38m19s
